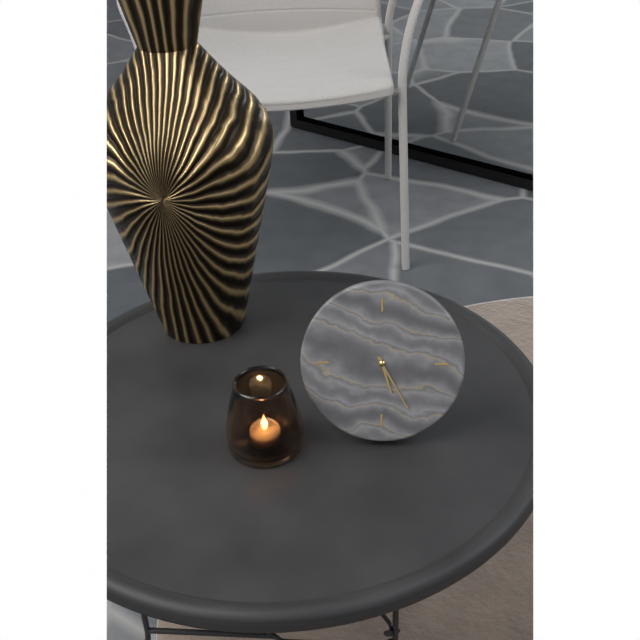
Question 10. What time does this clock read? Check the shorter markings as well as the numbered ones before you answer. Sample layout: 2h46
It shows 5h25
